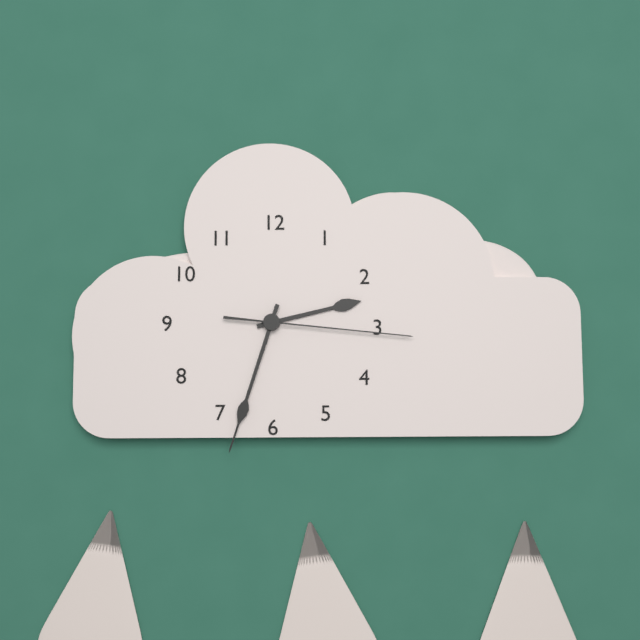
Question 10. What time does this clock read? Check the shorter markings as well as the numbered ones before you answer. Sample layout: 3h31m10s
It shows 2h33m16s
